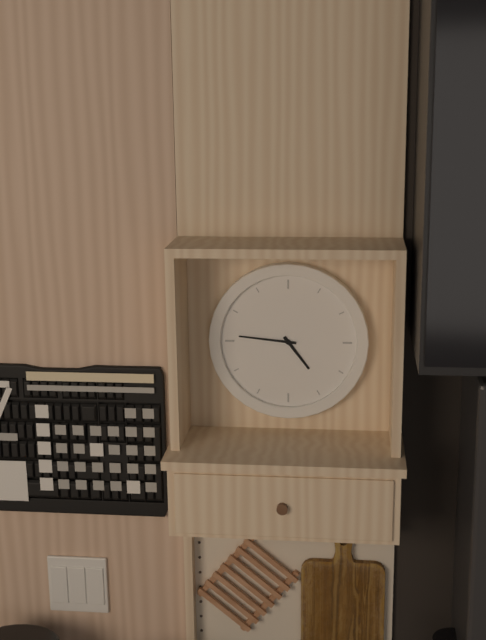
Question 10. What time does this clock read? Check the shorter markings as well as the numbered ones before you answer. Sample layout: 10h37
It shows 4h46
